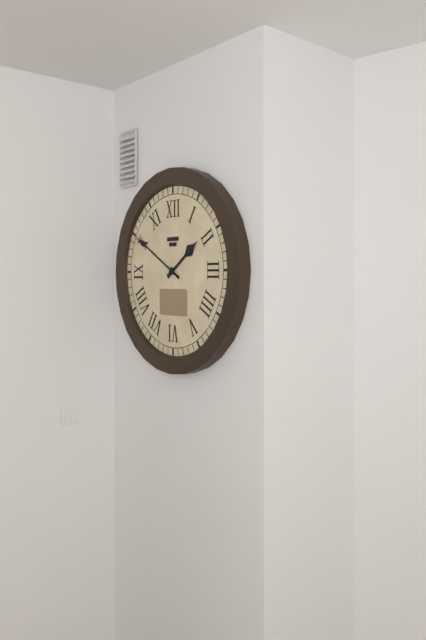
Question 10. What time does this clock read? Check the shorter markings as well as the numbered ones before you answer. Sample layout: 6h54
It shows 1h50
